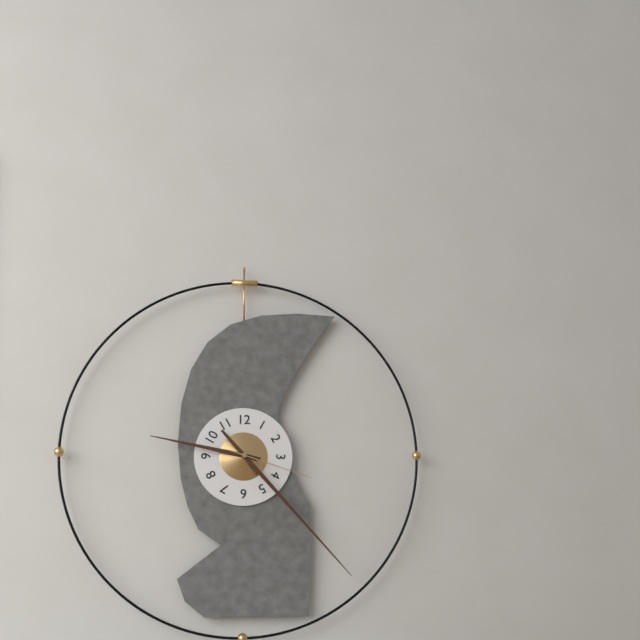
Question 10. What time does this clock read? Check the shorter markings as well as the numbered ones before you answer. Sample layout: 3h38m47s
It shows 9h23m18s
